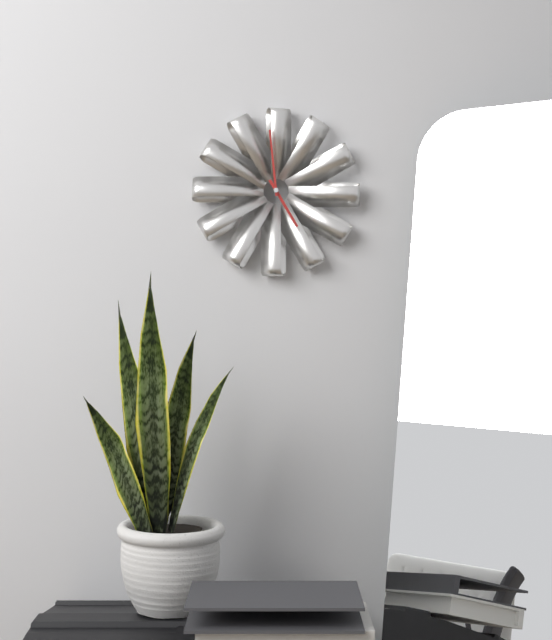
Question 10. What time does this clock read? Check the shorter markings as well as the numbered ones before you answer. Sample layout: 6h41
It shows 4h59
